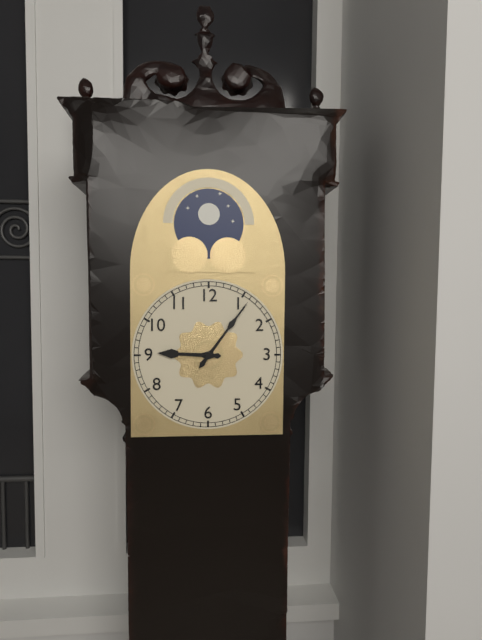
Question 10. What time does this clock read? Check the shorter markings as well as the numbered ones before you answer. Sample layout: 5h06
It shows 9h06
